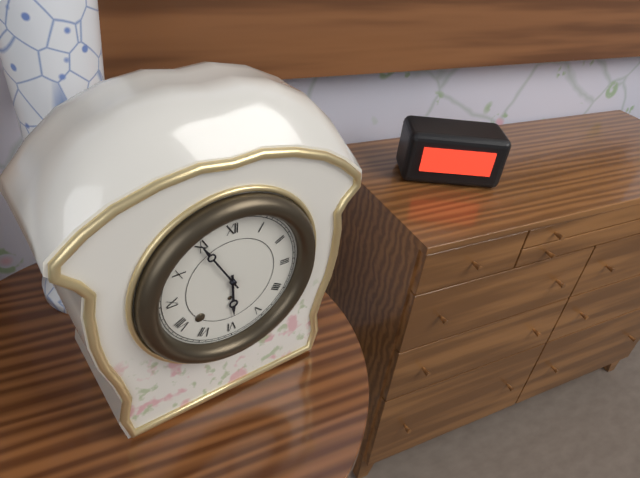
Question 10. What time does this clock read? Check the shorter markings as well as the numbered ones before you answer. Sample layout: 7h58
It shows 5h55
